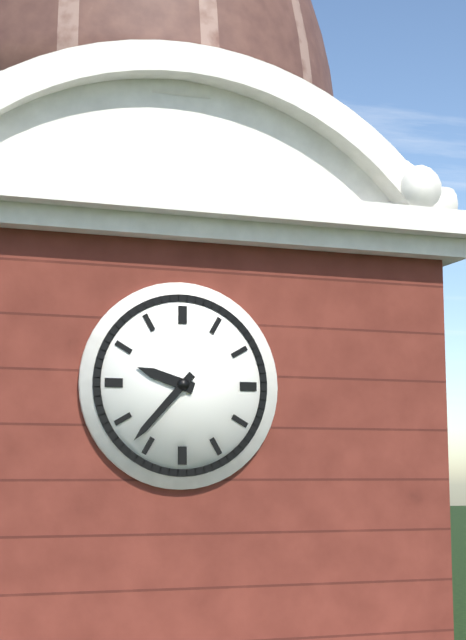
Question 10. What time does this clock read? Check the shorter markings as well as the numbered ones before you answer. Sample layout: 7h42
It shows 9h37
